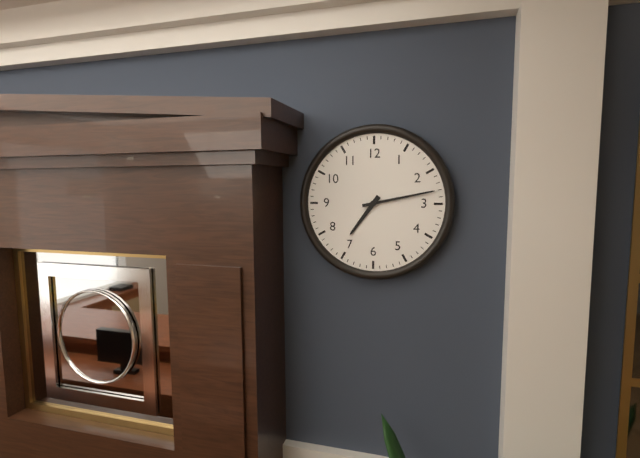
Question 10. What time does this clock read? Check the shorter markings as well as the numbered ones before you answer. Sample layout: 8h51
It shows 7h13
